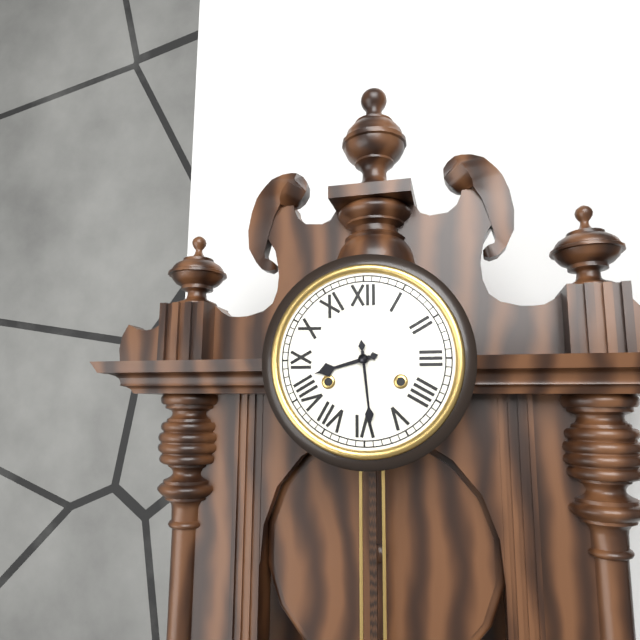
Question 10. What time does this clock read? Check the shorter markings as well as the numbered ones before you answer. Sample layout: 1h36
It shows 8h29
